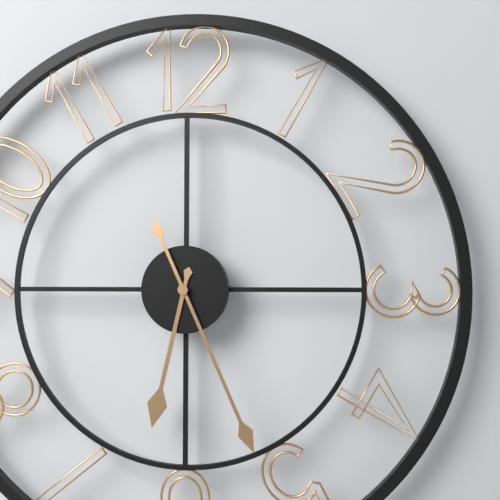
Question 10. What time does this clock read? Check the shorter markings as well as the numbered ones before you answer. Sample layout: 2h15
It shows 6h26
